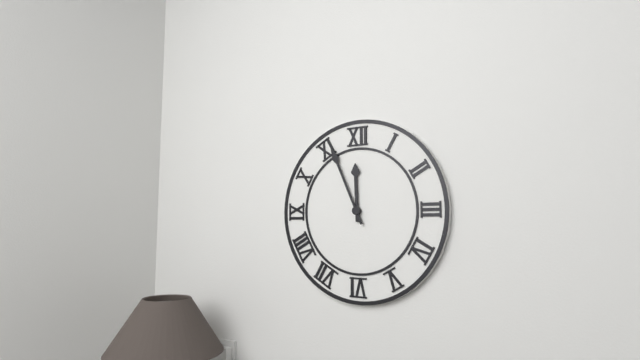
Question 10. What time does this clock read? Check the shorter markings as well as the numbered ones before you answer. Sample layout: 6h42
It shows 11h56
